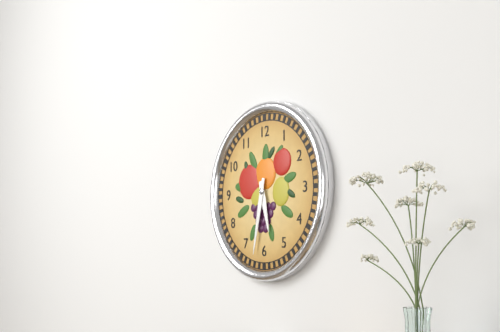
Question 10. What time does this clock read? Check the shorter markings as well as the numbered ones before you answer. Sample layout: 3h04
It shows 5h32
